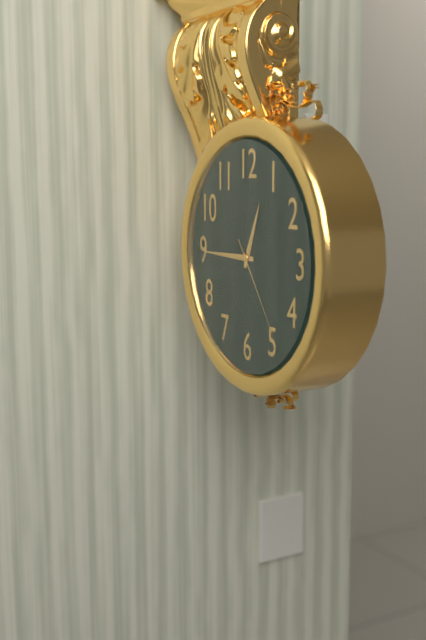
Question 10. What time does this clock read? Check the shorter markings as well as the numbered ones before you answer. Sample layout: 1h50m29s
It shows 12h45m24s
